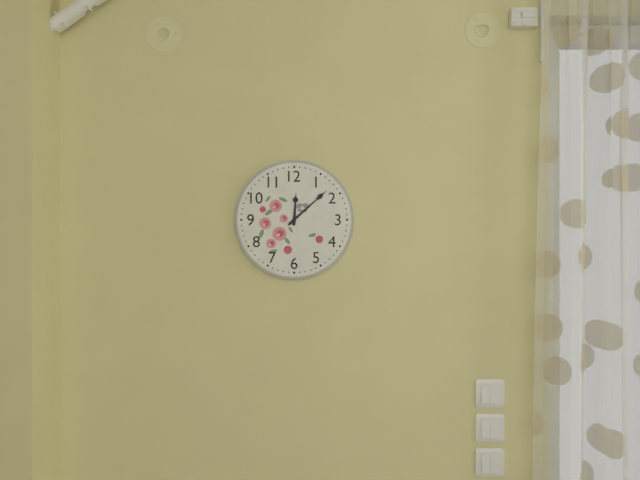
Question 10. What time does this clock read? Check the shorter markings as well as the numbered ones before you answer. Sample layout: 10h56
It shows 12h08
